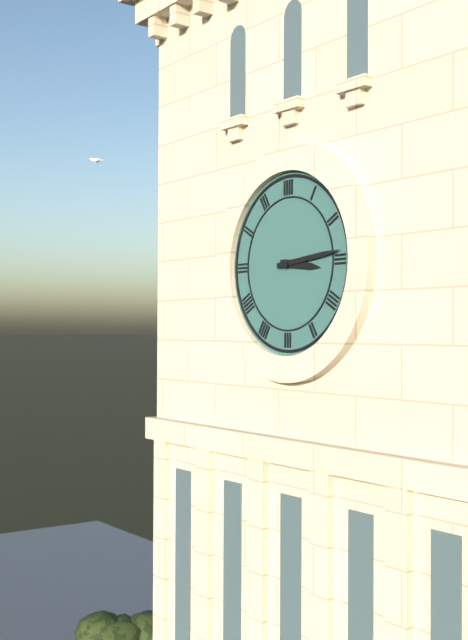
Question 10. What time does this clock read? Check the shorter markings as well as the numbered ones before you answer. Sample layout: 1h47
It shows 3h14
